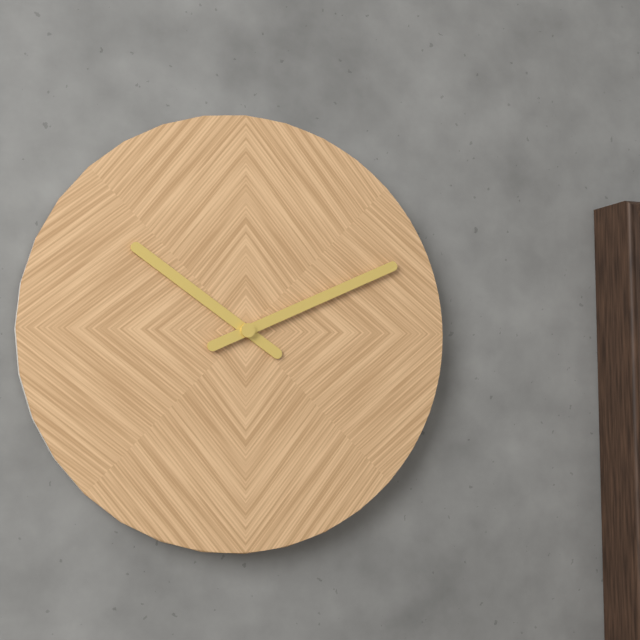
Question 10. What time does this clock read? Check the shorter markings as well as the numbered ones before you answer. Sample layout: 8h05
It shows 10h11
